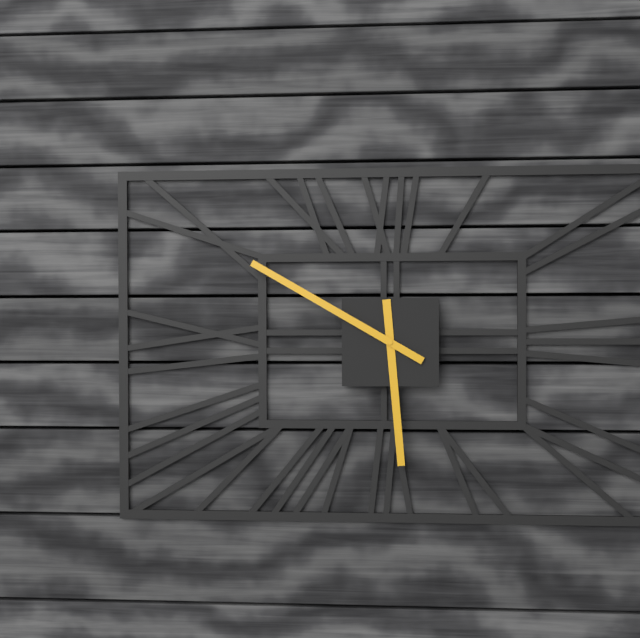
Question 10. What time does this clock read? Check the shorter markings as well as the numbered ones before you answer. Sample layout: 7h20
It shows 5h50
